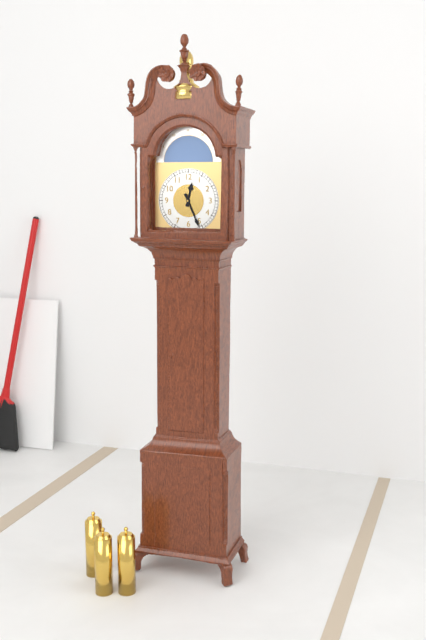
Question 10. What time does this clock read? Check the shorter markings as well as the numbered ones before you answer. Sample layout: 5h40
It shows 12h26
